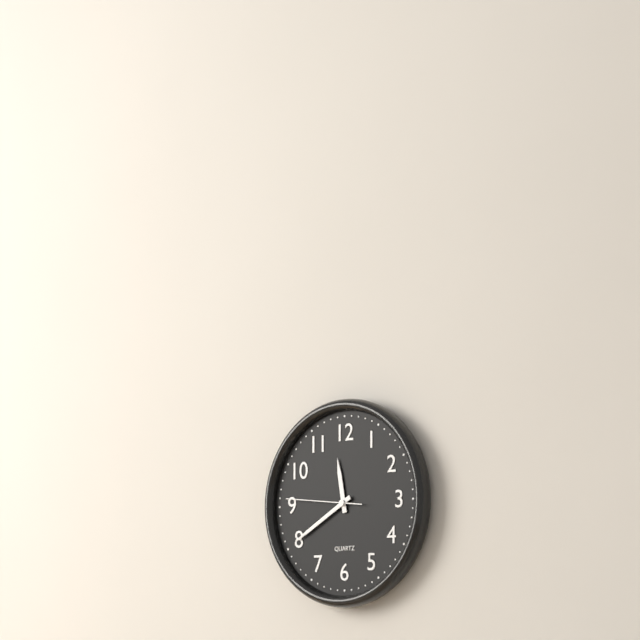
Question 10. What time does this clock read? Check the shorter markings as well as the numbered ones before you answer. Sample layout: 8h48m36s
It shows 11h40m46s
